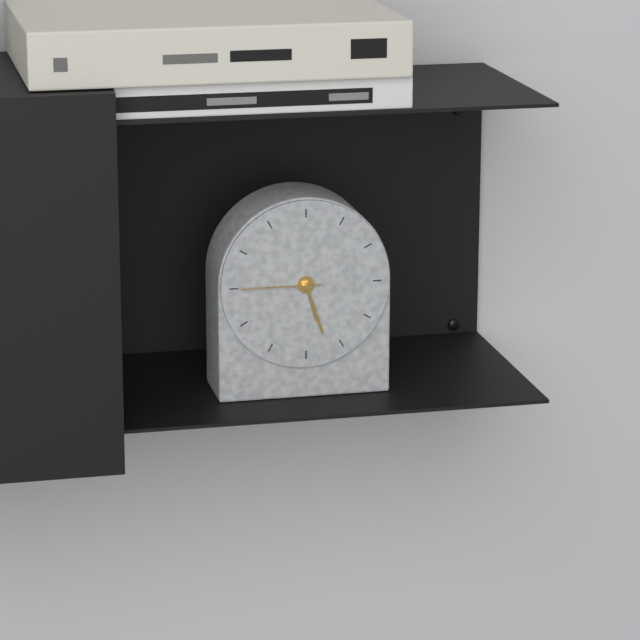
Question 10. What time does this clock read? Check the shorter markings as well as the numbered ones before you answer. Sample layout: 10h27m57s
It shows 5h27m45s
